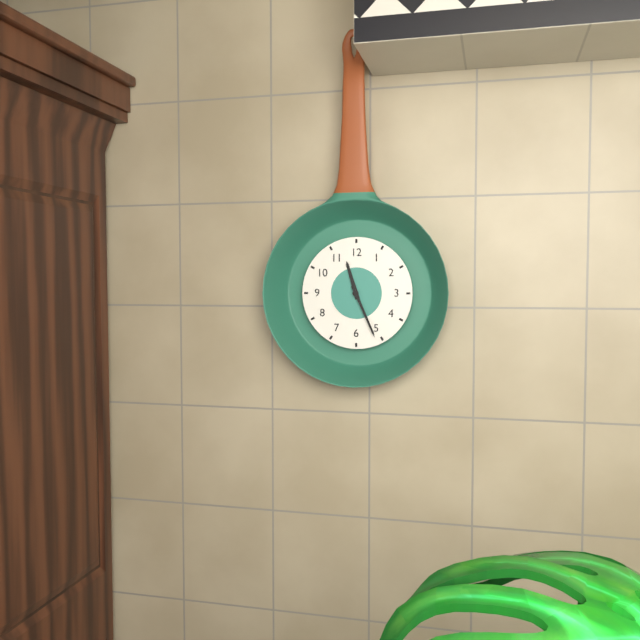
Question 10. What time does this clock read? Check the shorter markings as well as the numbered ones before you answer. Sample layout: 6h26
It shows 11h26
